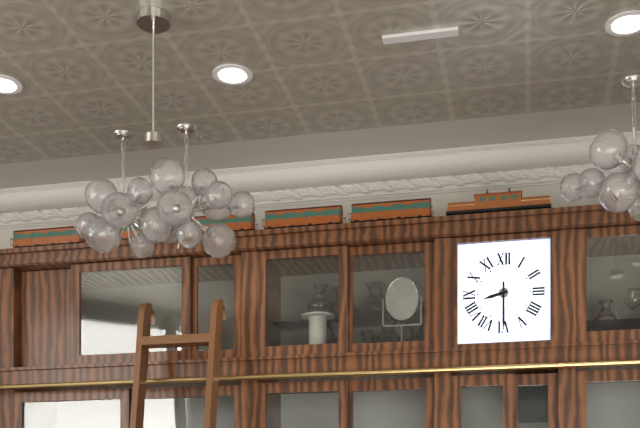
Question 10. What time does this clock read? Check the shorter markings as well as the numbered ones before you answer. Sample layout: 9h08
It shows 8h30
